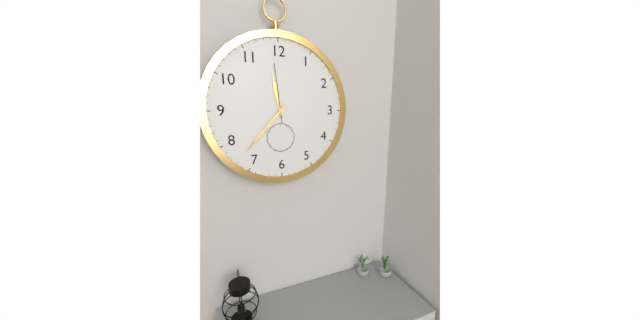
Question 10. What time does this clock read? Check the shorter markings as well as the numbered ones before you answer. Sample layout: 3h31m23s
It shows 11h37m59s
